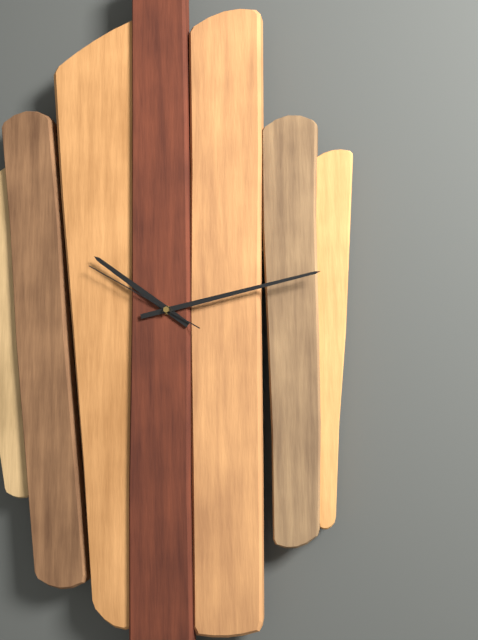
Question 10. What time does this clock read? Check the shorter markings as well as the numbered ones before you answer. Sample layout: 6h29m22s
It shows 10h13m50s
